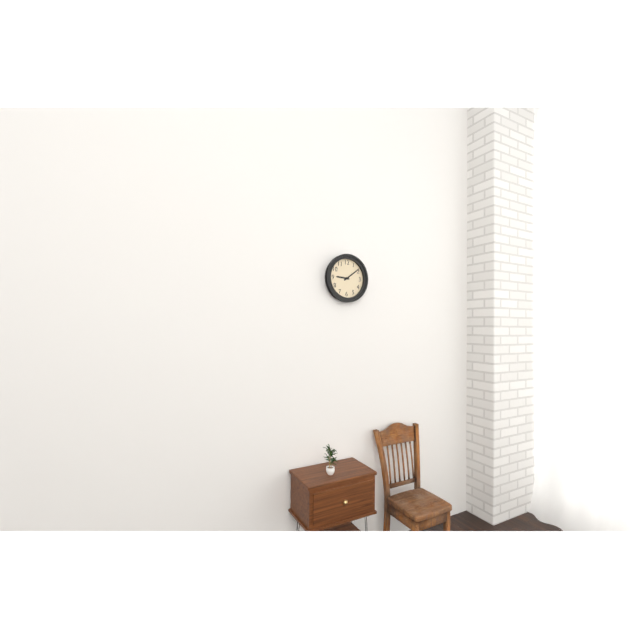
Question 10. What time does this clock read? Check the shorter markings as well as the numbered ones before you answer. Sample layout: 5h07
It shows 9h09
